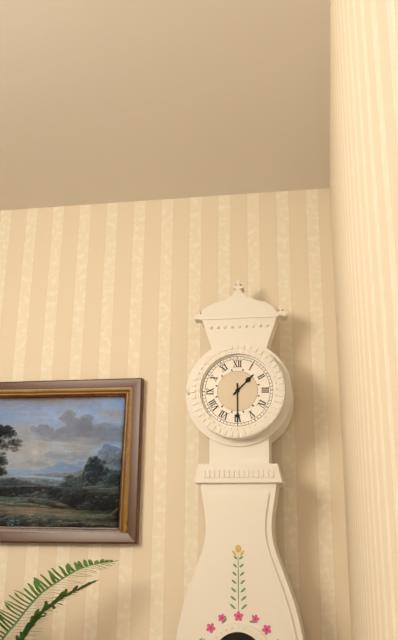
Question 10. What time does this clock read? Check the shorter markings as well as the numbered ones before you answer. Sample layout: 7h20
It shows 1h30
